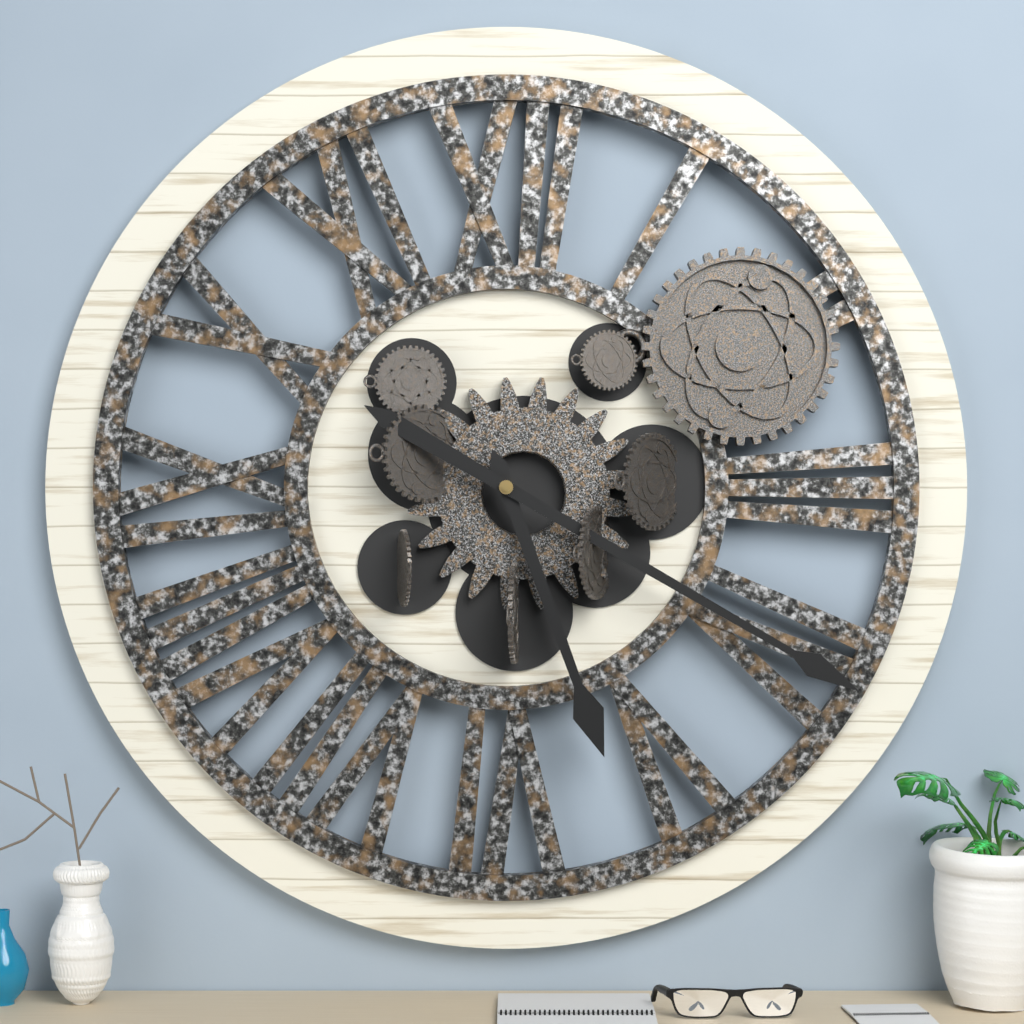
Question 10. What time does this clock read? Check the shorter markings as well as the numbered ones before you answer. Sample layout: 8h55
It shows 5h20
